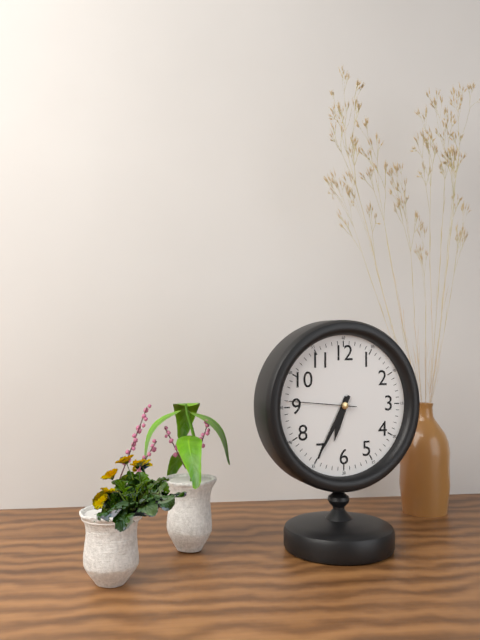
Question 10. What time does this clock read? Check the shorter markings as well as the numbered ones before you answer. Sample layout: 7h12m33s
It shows 6h35m46s
